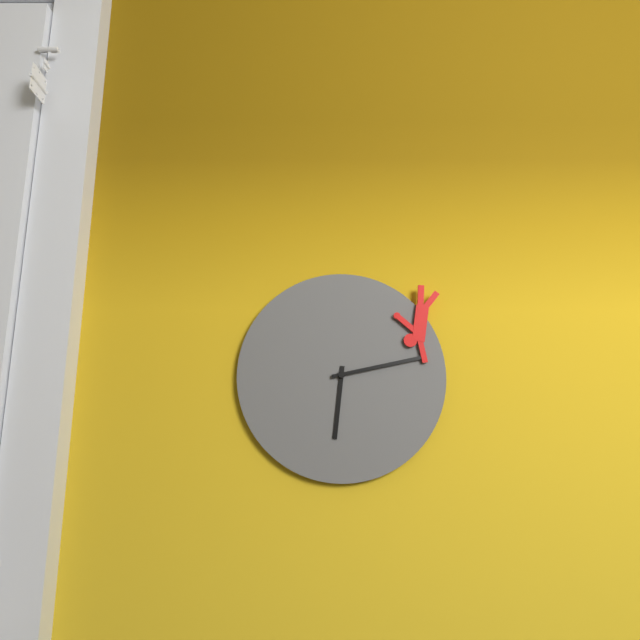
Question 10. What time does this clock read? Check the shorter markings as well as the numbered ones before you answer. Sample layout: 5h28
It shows 6h13
